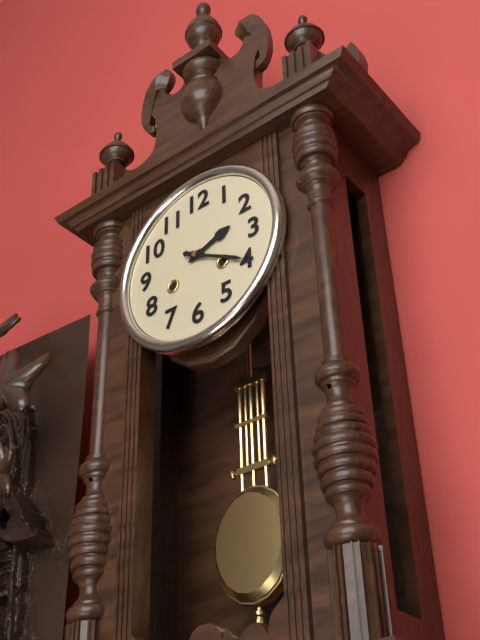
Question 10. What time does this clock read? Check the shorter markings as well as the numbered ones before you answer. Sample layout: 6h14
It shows 2h20
